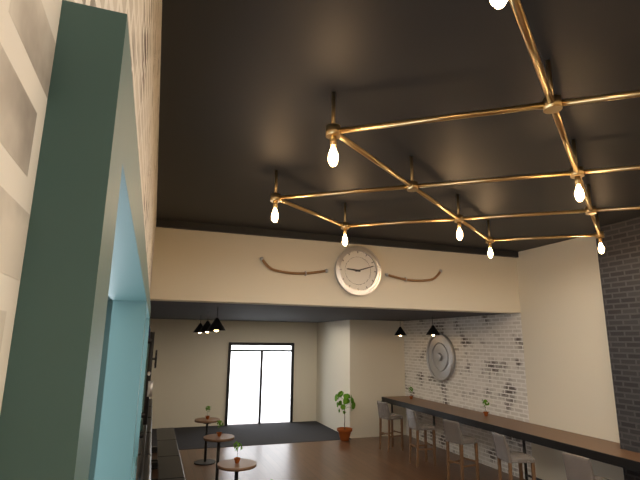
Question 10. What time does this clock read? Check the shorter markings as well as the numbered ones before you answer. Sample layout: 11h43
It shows 9h12
